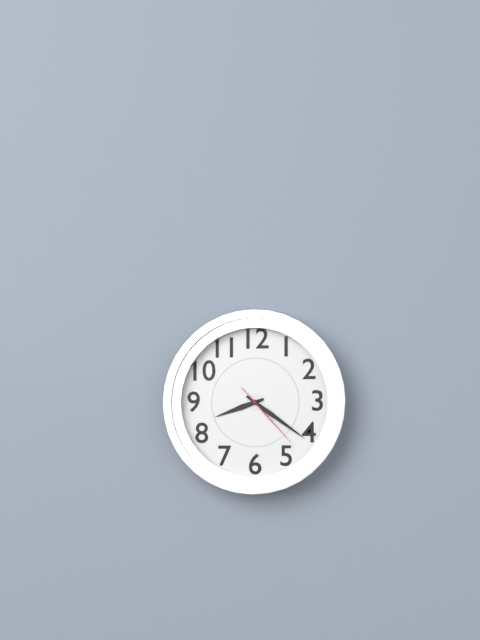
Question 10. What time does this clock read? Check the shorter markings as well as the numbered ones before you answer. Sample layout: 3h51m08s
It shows 8h21m23s
